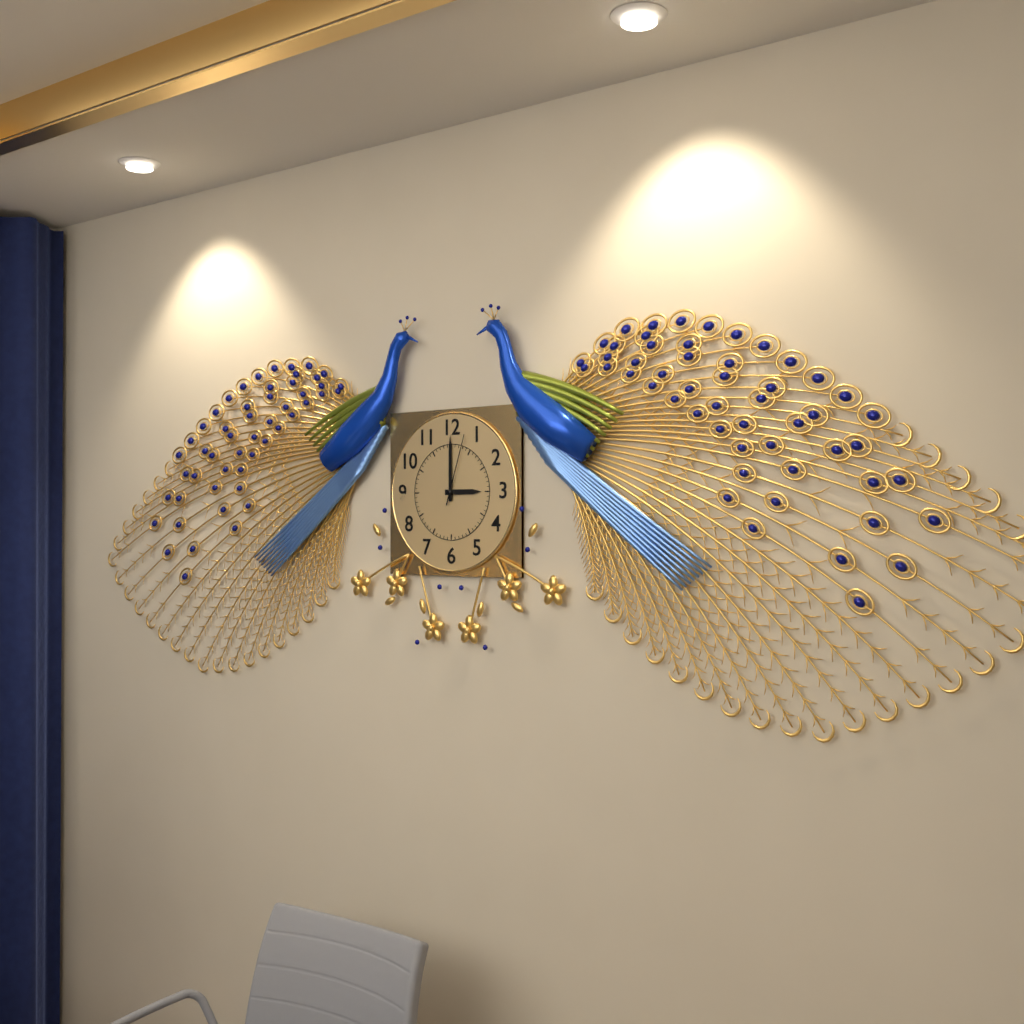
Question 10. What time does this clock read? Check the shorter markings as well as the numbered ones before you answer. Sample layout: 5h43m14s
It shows 3h00m03s
